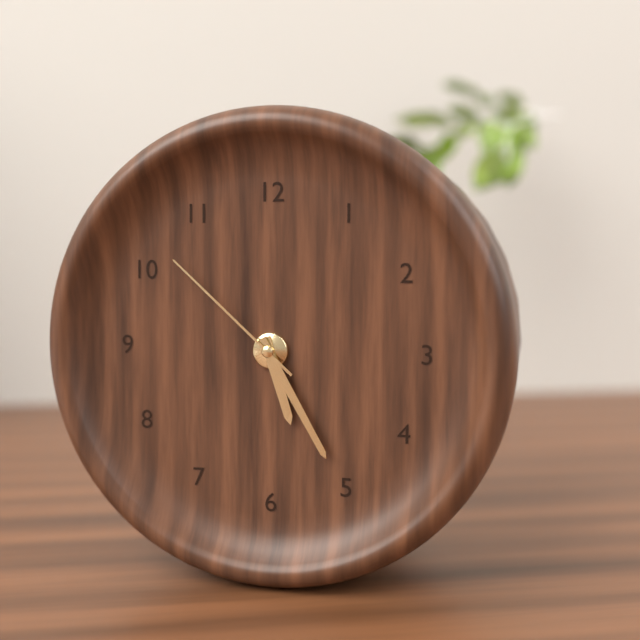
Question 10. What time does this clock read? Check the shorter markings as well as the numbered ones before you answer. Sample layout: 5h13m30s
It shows 5h25m52s
